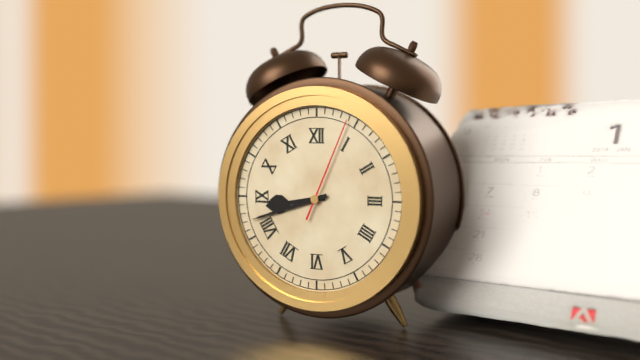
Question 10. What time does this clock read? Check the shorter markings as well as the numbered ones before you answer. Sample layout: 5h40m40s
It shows 8h42m04s
